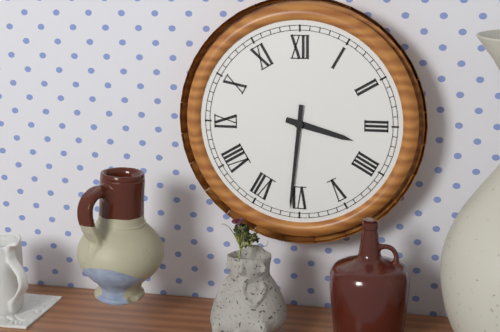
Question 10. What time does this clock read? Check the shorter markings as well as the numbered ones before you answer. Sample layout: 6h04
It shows 3h31
